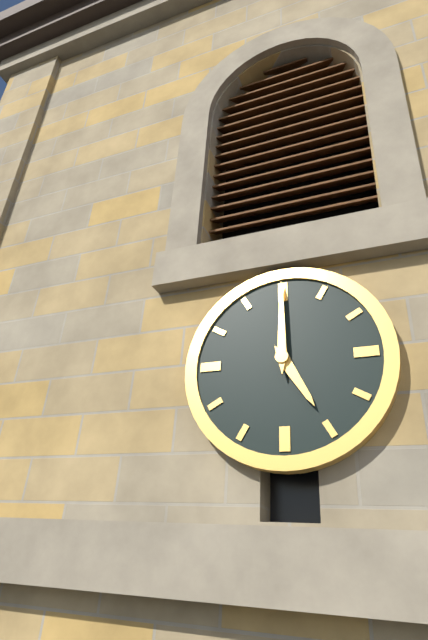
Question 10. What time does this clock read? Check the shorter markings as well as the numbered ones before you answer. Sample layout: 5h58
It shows 5h00
